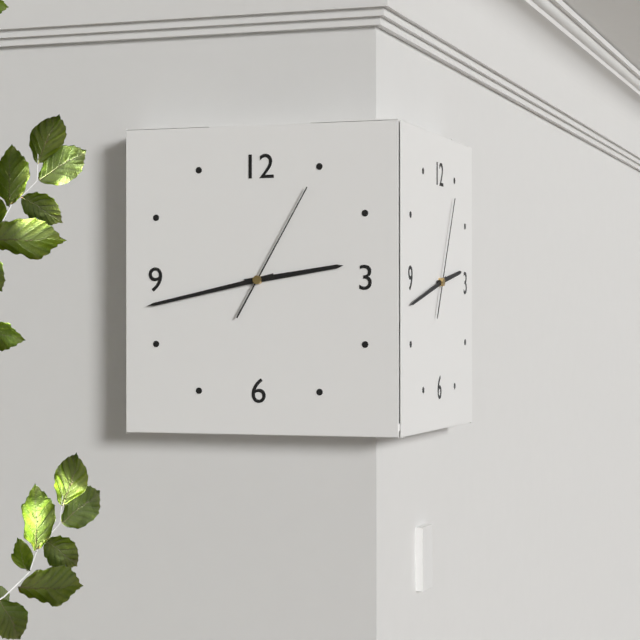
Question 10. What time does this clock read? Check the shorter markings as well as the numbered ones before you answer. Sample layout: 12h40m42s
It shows 2h43m05s
